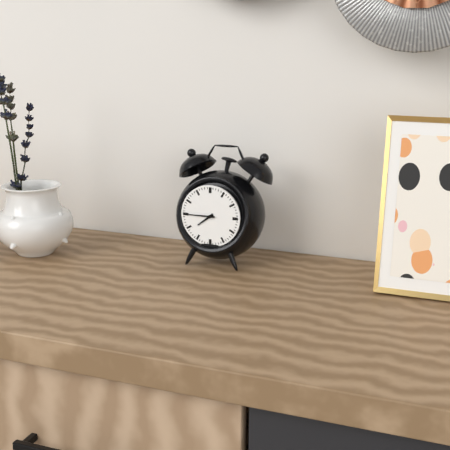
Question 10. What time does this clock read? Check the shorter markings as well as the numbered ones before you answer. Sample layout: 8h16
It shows 7h45
